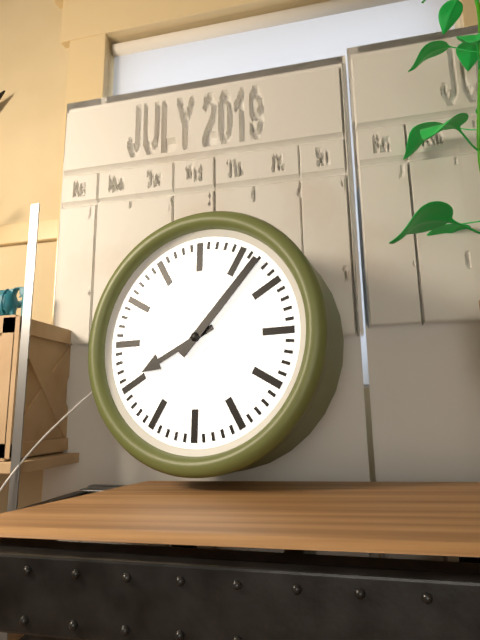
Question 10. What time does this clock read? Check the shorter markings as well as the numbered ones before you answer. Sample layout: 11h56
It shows 8h07
